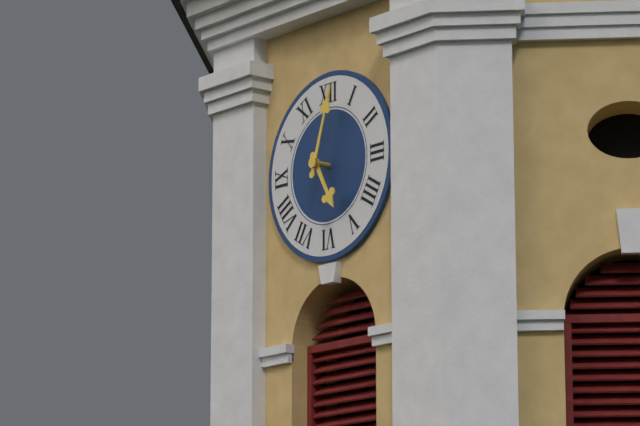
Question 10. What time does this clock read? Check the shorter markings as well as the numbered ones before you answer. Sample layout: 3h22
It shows 5h03
